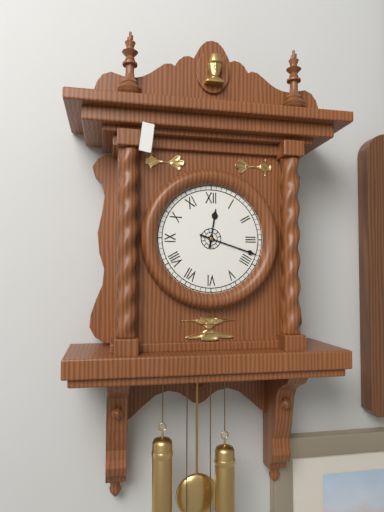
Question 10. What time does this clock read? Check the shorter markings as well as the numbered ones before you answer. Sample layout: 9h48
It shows 12h18
